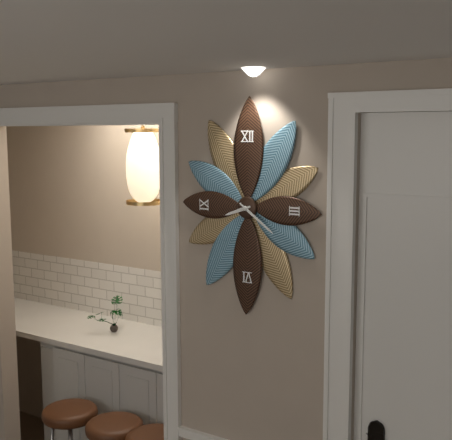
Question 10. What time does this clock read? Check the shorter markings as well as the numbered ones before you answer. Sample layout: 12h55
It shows 8h21
